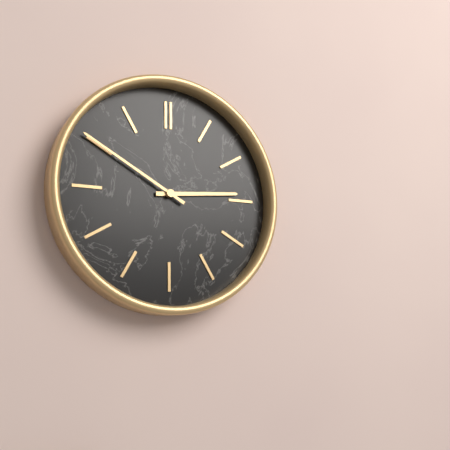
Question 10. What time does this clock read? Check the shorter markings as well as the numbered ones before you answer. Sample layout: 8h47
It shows 2h50
